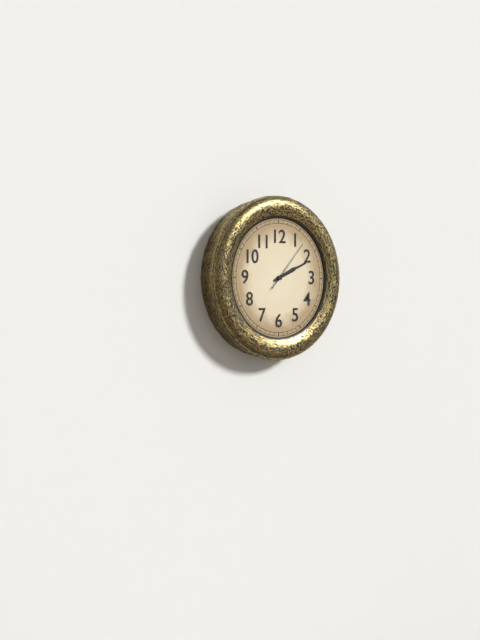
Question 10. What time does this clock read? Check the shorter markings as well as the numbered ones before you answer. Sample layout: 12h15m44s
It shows 2h11m07s
